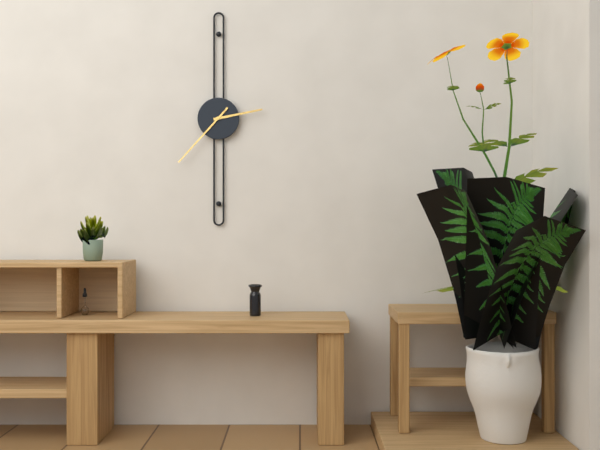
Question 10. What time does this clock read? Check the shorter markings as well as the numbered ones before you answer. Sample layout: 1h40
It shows 2h37
